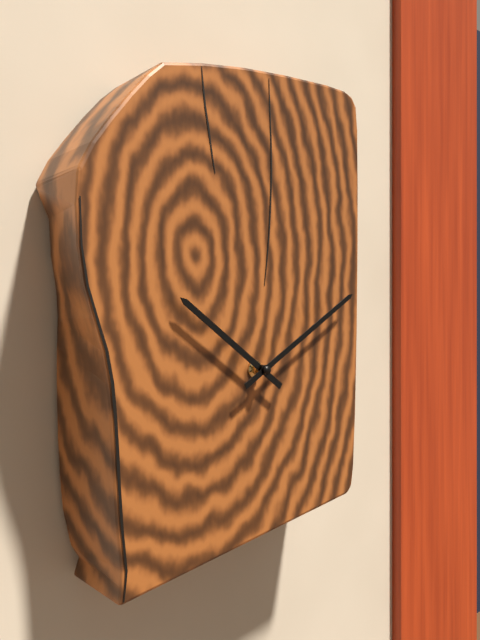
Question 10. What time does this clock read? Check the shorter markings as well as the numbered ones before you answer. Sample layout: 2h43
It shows 10h10
